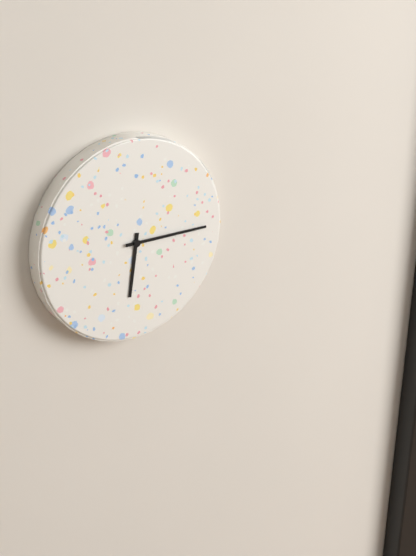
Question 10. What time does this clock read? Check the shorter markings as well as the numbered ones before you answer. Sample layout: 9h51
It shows 6h15
